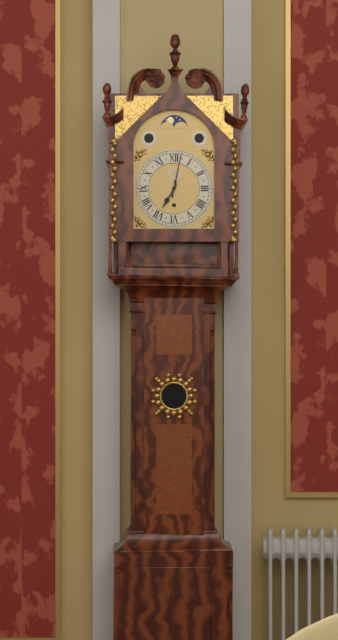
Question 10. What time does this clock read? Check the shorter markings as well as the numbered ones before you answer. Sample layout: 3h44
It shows 7h02
